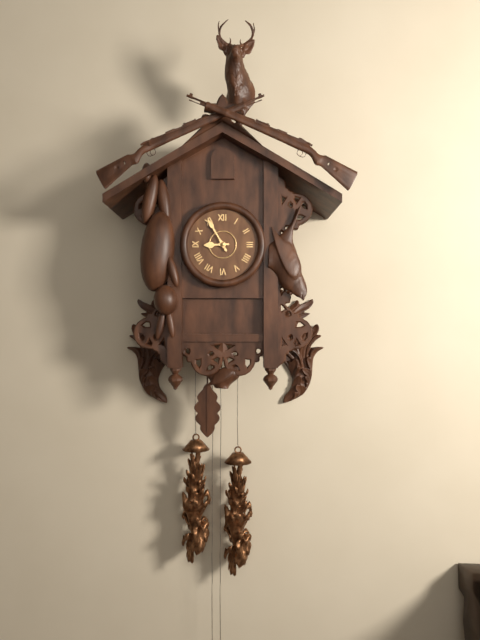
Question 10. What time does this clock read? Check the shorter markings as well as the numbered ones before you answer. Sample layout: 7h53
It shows 8h55
